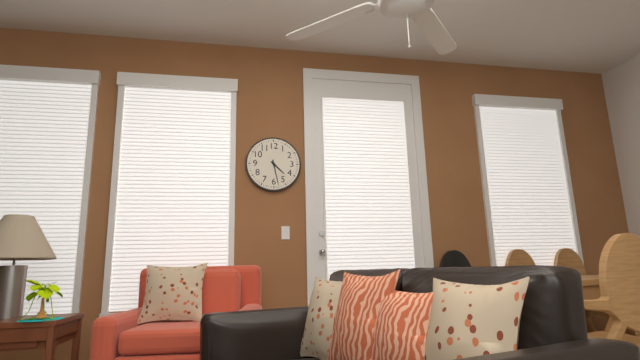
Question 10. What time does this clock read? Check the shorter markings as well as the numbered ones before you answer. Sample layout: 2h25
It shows 4h28
